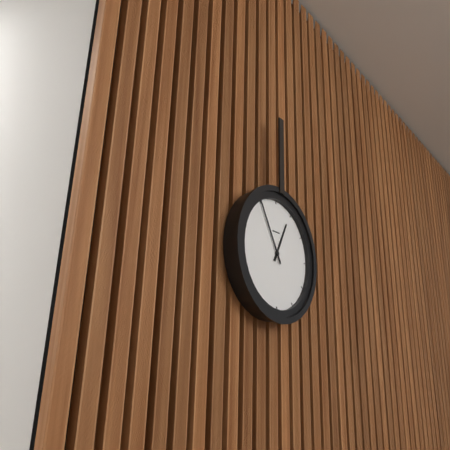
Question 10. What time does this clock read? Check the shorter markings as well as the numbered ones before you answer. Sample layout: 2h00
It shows 12h55
